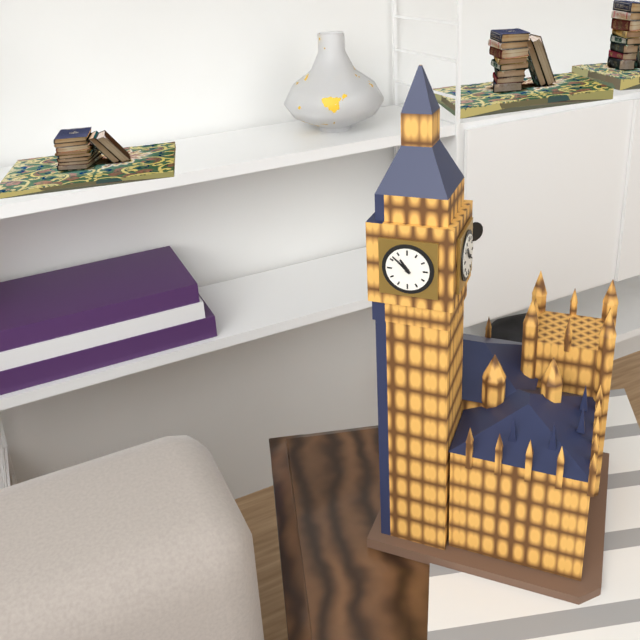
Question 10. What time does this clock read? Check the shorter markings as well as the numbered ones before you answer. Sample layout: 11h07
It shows 10h52
